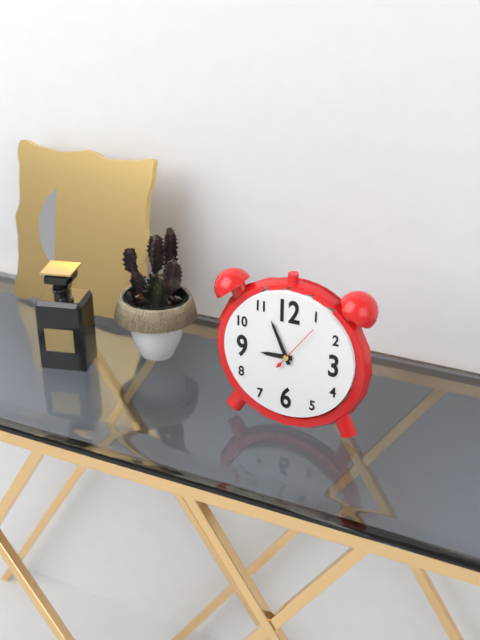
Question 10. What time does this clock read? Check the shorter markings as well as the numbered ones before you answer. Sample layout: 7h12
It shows 8h56
